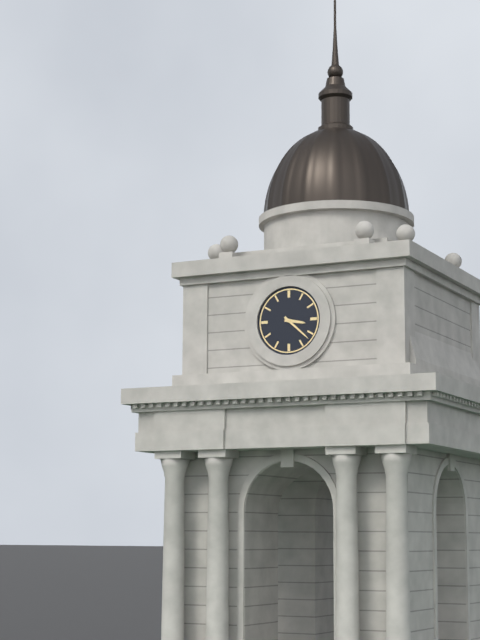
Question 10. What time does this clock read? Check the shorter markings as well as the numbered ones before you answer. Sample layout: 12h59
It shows 3h22
